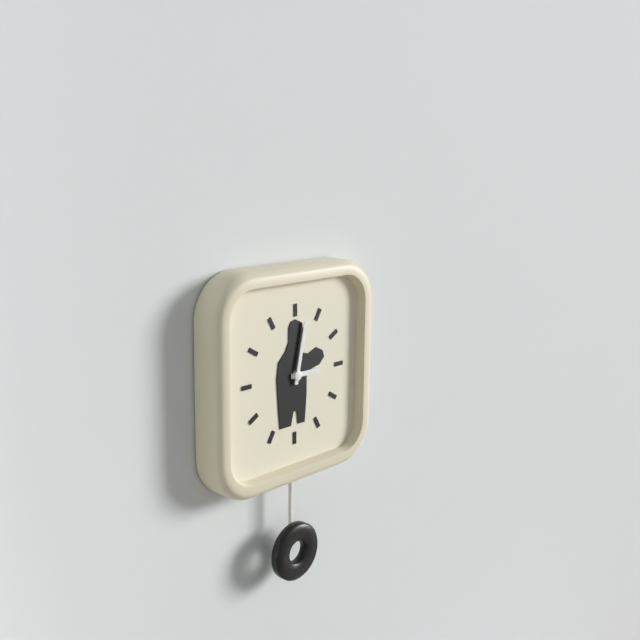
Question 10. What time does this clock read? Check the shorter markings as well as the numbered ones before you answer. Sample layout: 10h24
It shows 3h02
